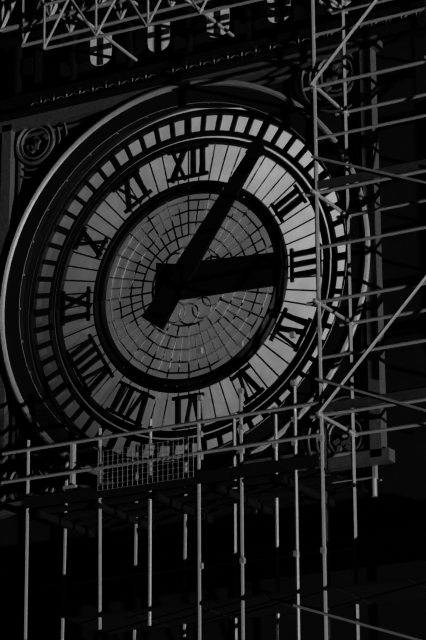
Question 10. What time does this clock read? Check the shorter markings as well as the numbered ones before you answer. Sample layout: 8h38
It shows 3h06
